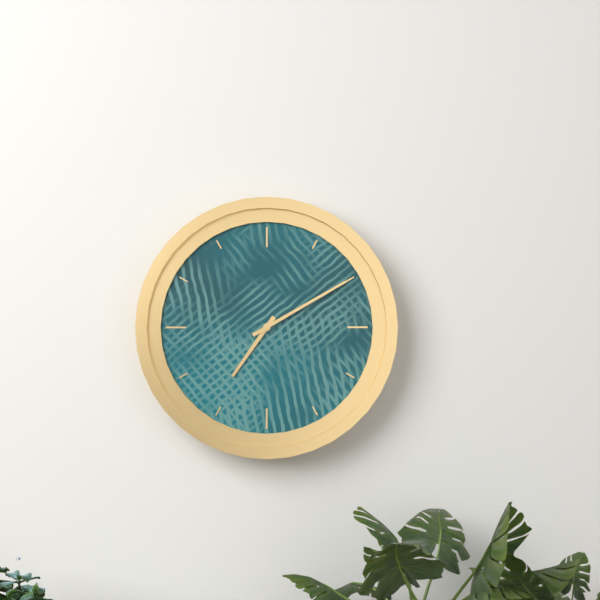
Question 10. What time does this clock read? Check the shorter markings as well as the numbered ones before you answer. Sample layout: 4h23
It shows 7h10
